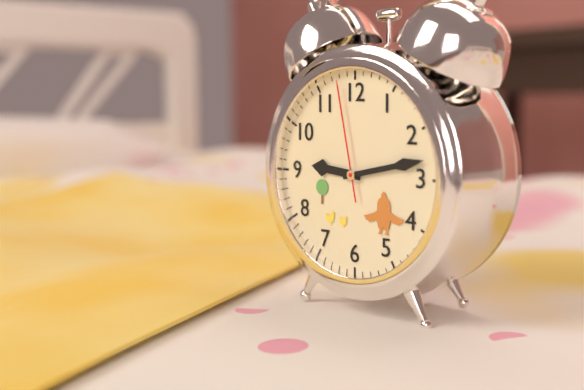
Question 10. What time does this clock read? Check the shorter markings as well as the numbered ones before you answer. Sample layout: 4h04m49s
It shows 9h13m58s
